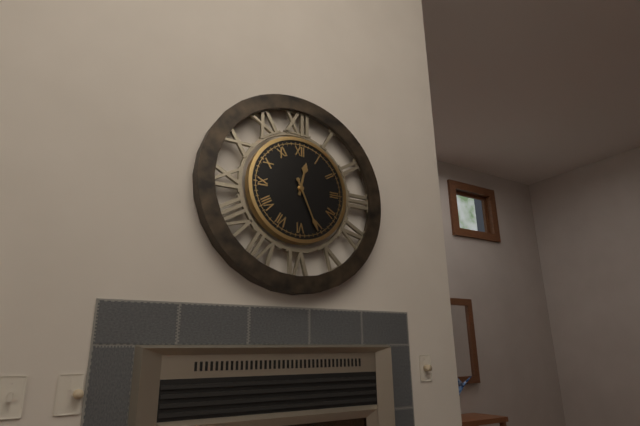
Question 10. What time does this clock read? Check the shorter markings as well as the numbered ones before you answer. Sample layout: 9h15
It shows 12h26
